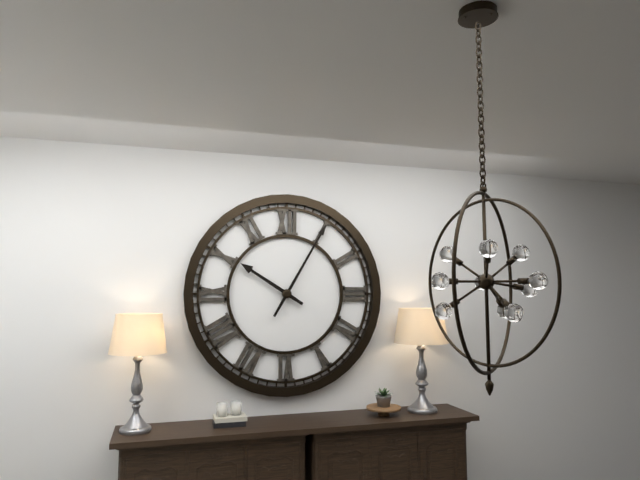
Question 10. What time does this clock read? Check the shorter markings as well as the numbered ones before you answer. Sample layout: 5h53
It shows 10h05
